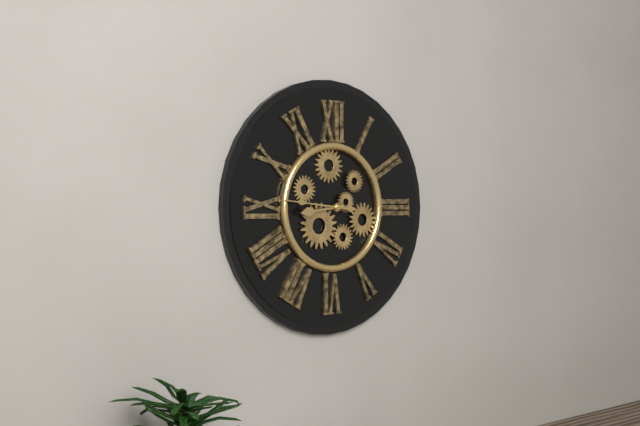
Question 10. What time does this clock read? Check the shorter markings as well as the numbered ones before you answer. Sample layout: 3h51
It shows 8h46
